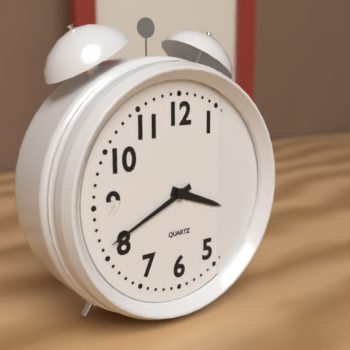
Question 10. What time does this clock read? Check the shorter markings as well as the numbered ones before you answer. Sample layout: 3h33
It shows 3h41
